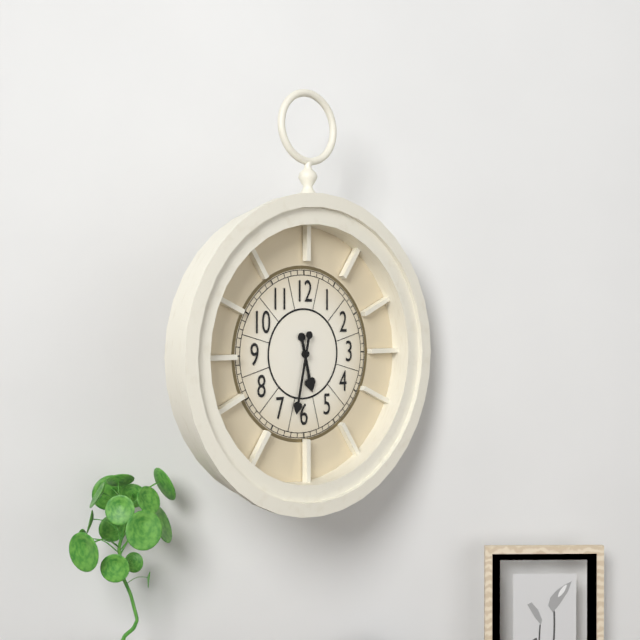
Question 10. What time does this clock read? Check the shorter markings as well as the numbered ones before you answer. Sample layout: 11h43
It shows 5h32
